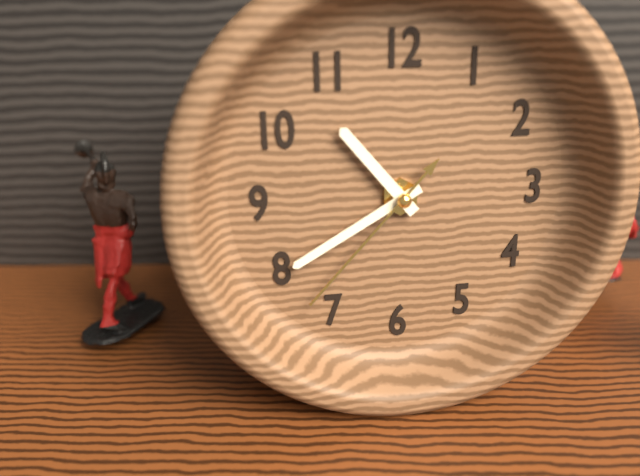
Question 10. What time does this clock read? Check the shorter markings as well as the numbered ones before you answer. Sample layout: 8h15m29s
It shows 10h40m37s
